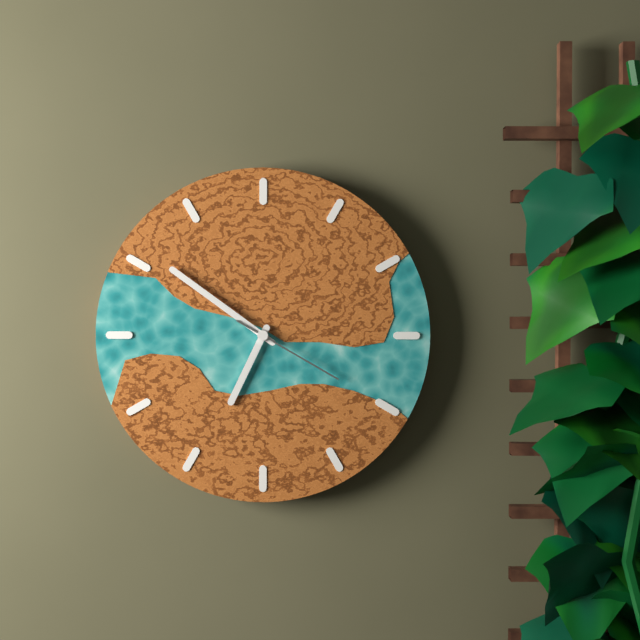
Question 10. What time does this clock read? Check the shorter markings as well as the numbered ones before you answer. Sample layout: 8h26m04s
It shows 6h51m20s
